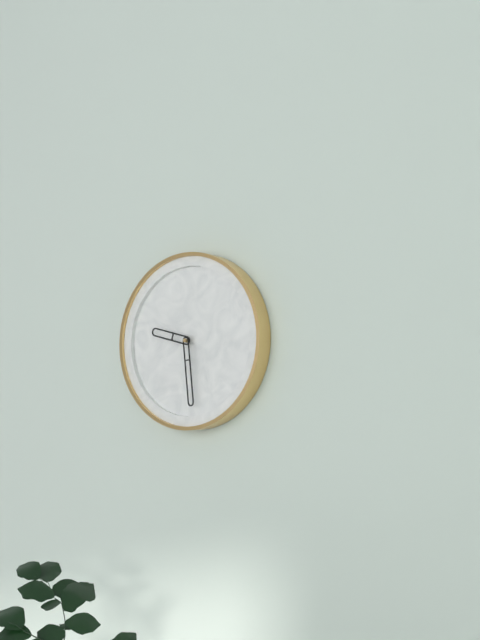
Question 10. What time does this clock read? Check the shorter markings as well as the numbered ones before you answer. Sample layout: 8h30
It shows 9h29
